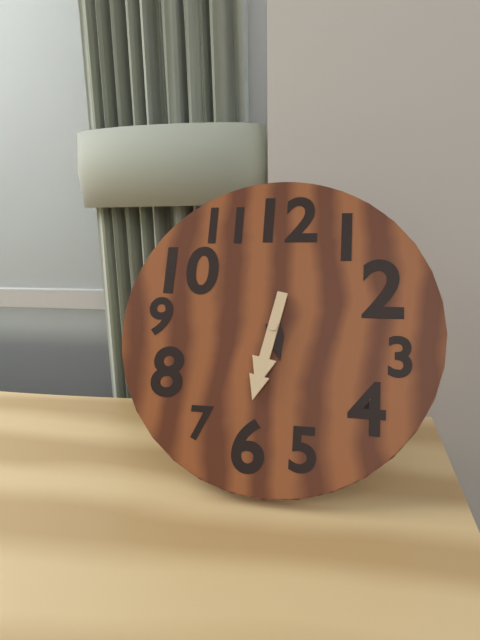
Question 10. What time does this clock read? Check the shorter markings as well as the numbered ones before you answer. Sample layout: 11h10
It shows 5h32
